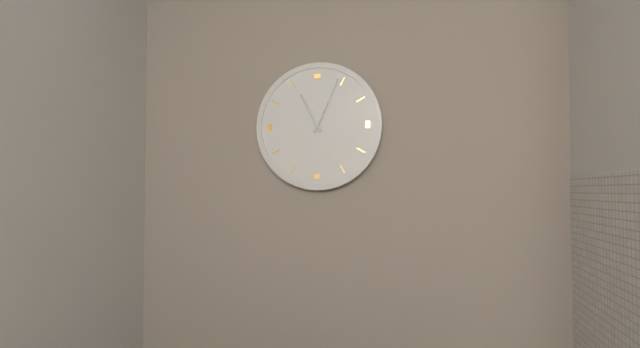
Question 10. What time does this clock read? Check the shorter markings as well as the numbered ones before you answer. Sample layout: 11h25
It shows 11h04
